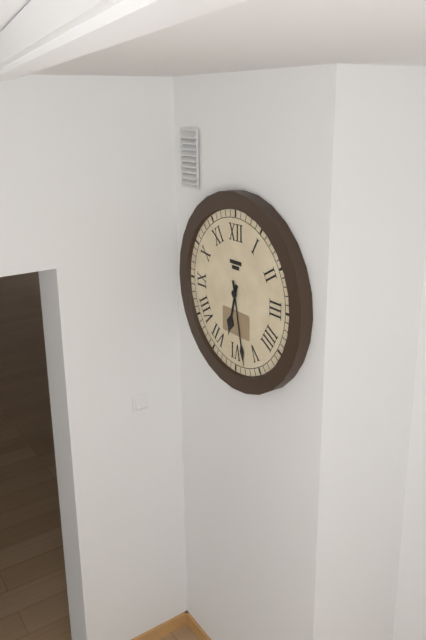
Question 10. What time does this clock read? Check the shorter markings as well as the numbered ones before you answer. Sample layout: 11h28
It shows 6h28
